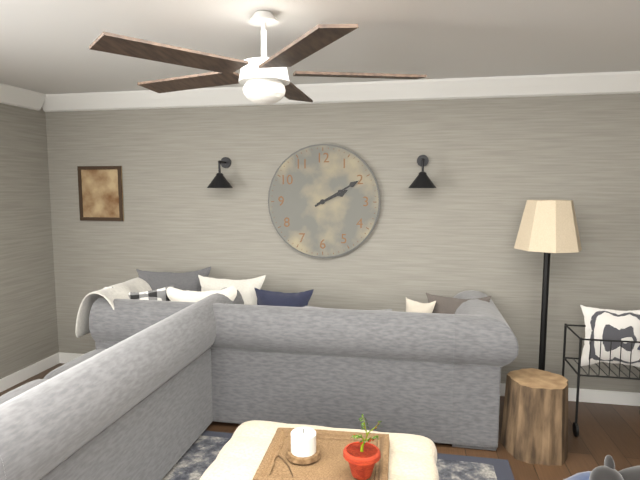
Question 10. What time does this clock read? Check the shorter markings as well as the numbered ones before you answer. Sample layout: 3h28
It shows 2h10
